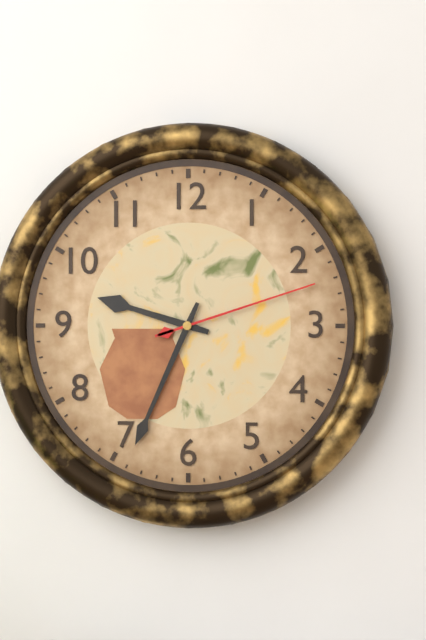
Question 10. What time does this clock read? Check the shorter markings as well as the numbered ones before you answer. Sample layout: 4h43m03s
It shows 9h34m12s
